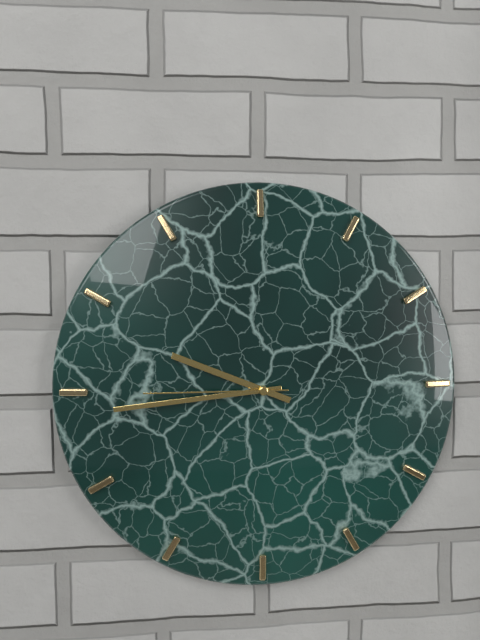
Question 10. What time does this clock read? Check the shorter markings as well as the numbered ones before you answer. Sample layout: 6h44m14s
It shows 9h44m45s
